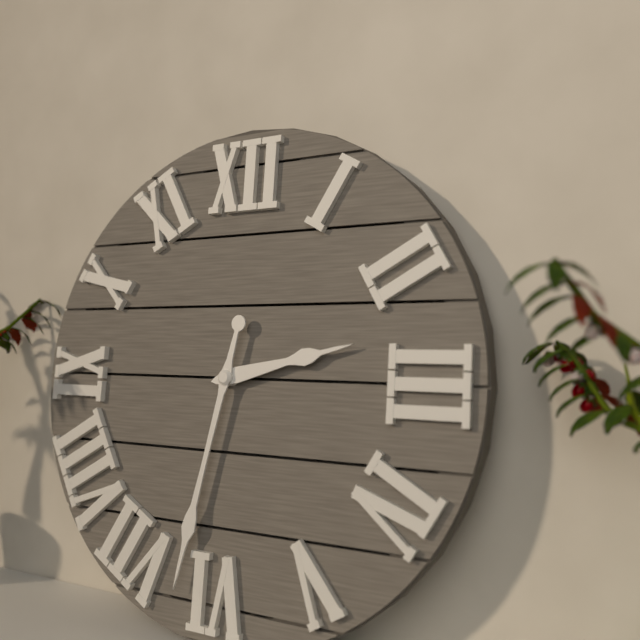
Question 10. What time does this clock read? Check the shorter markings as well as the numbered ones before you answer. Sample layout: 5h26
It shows 2h32
